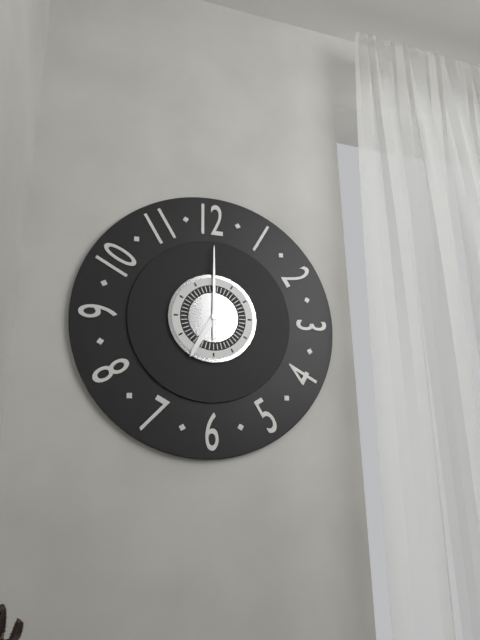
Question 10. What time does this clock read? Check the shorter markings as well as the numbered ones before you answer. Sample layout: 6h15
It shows 7h00
